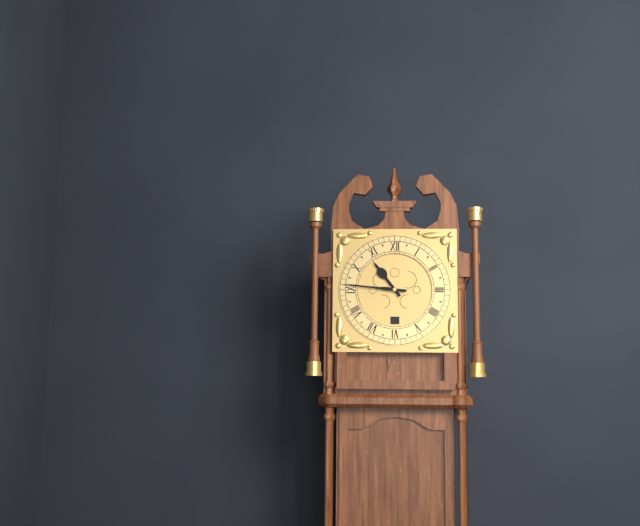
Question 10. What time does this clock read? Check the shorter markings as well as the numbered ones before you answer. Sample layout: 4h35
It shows 10h46
